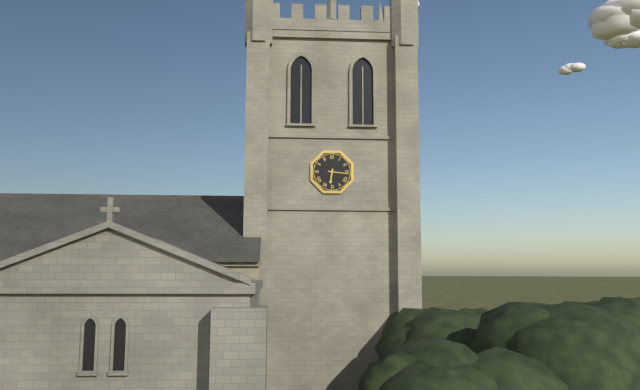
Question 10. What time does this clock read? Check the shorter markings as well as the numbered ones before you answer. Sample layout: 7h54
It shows 6h16
